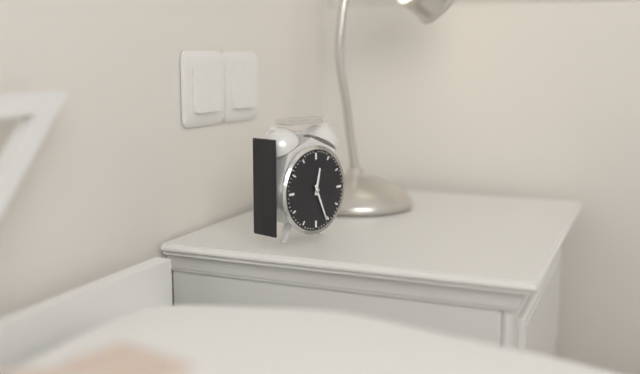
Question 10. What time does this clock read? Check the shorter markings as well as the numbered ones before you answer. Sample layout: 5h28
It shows 12h26
